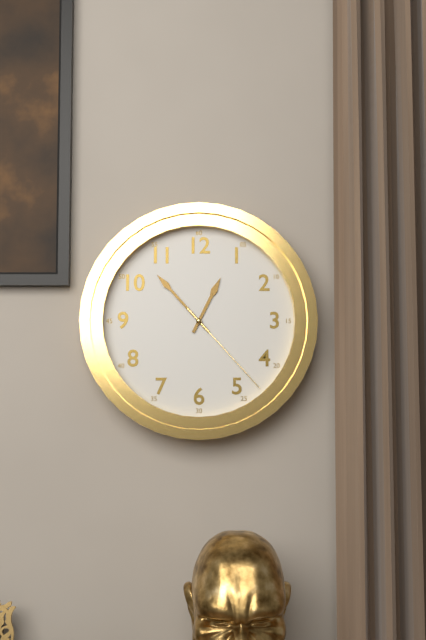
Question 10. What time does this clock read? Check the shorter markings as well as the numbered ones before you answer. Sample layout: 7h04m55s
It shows 12h53m23s
